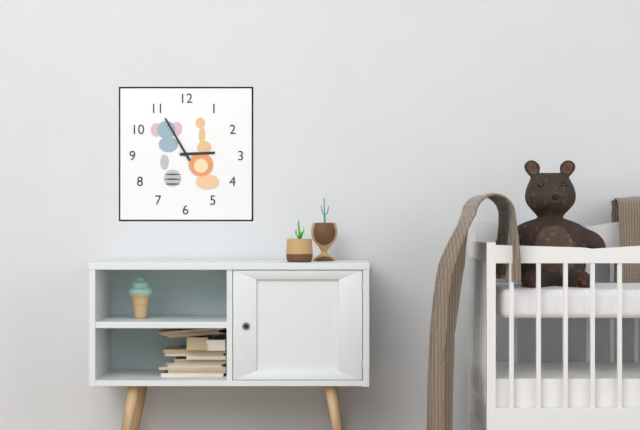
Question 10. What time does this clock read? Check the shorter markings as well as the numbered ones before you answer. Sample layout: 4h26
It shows 2h55
